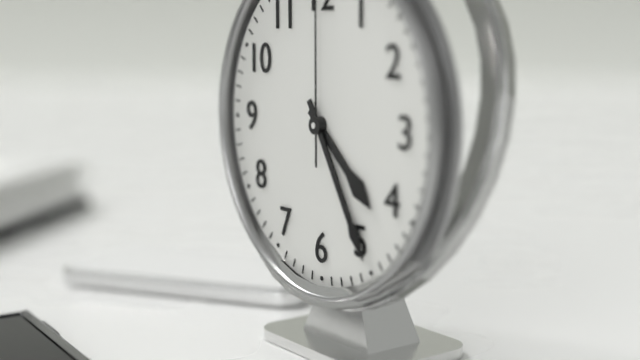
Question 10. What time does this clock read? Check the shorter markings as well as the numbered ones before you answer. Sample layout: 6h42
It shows 4h25
